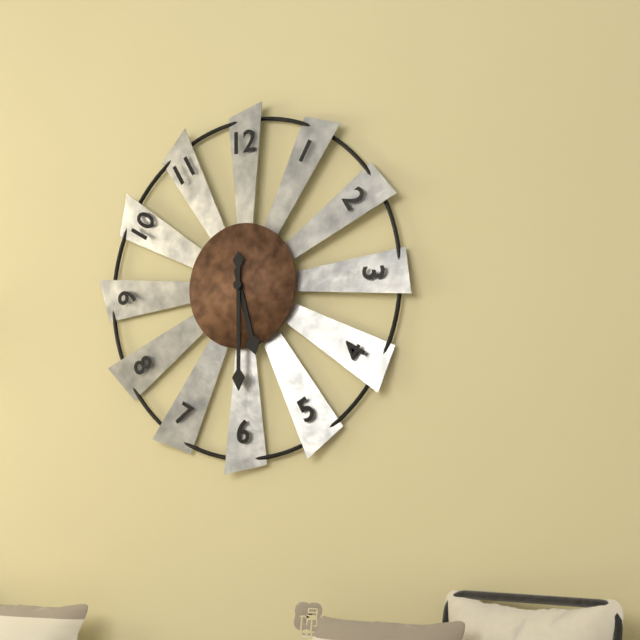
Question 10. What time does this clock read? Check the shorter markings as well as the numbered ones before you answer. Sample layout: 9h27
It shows 5h30
